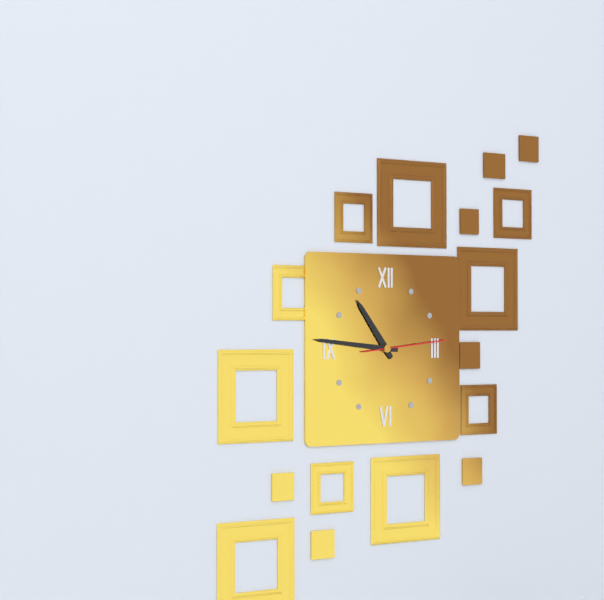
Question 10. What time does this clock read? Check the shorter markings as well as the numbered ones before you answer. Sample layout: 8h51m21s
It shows 10h46m14s
